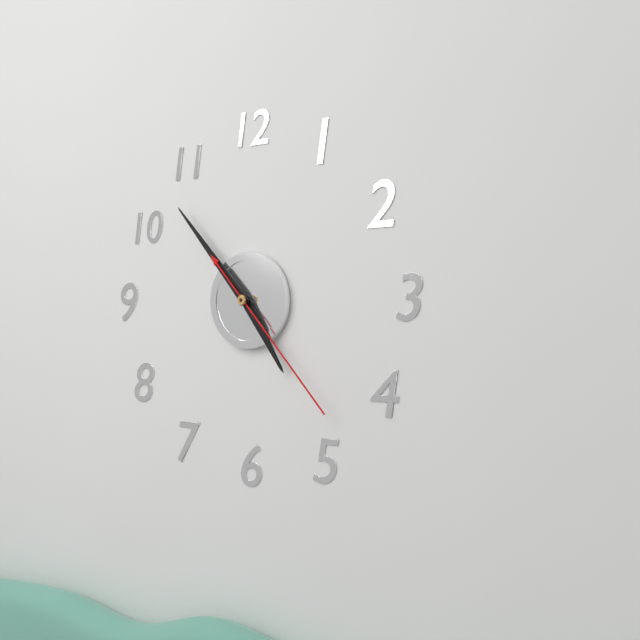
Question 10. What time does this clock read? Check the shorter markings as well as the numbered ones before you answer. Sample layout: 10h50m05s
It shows 4h53m23s
